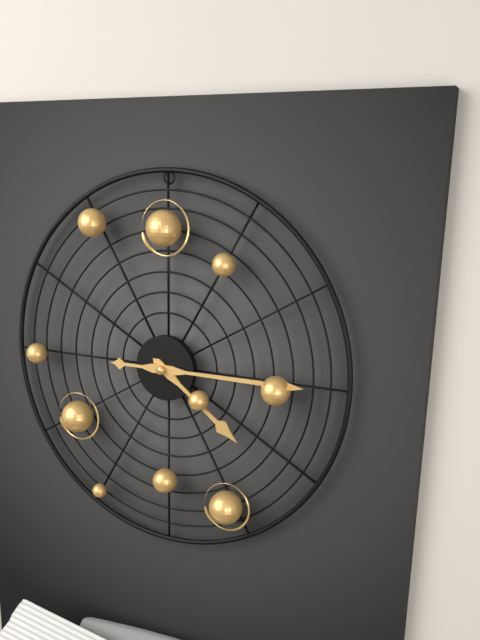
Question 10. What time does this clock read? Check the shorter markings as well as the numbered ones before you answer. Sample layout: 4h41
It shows 4h15
